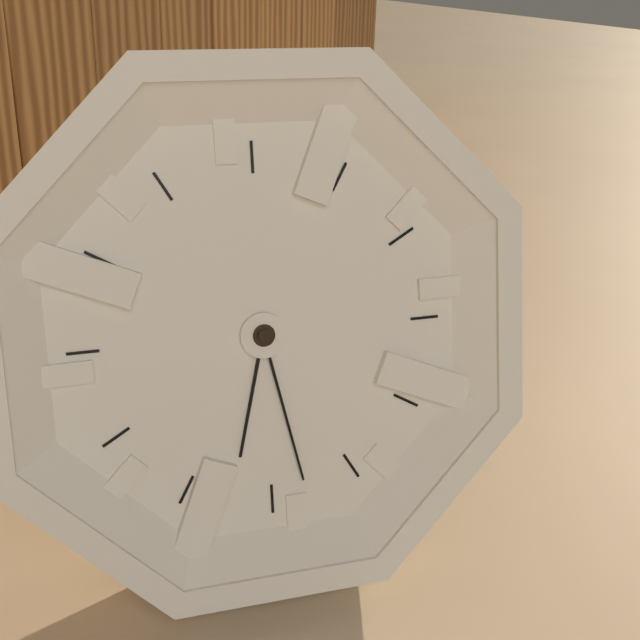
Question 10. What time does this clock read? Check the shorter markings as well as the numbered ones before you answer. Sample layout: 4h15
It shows 6h28
